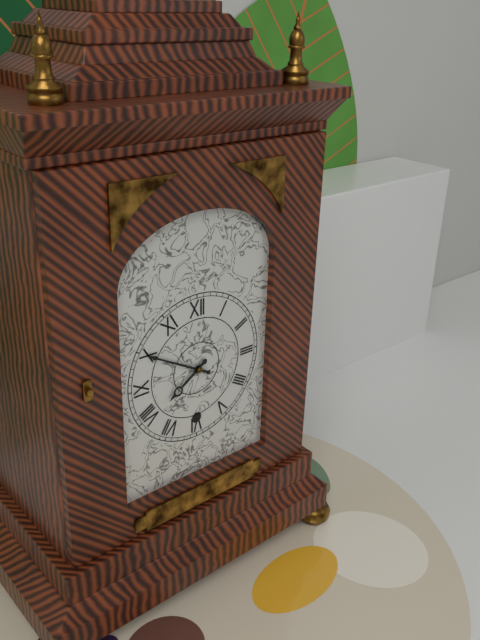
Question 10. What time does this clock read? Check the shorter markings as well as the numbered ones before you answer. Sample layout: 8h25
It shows 7h50
